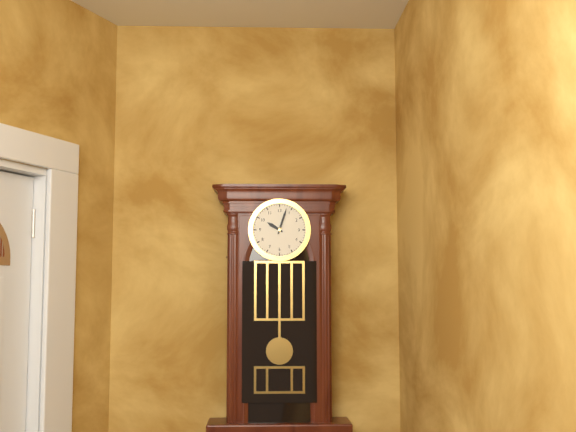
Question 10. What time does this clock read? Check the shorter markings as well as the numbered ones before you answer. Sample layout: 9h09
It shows 10h03
